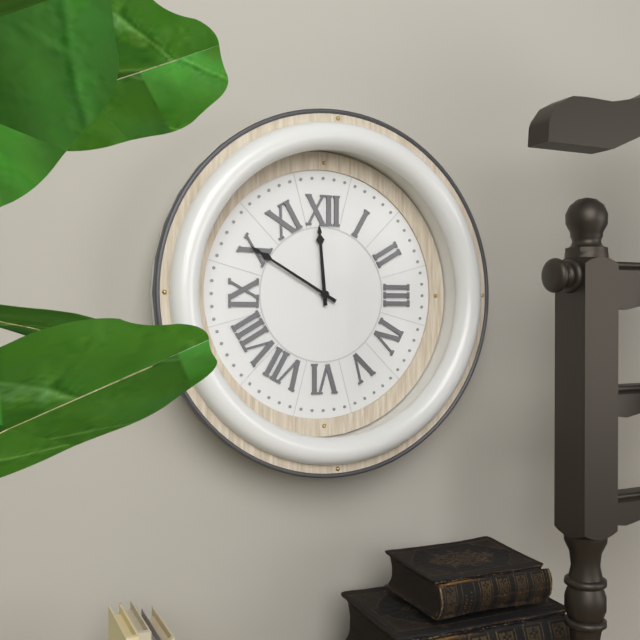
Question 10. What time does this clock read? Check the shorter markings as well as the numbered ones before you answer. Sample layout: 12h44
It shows 11h50
